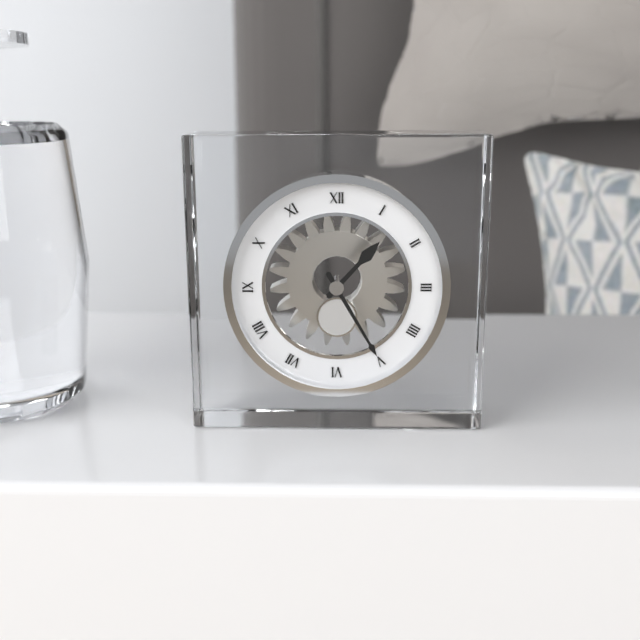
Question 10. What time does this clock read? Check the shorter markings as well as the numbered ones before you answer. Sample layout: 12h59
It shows 1h25
